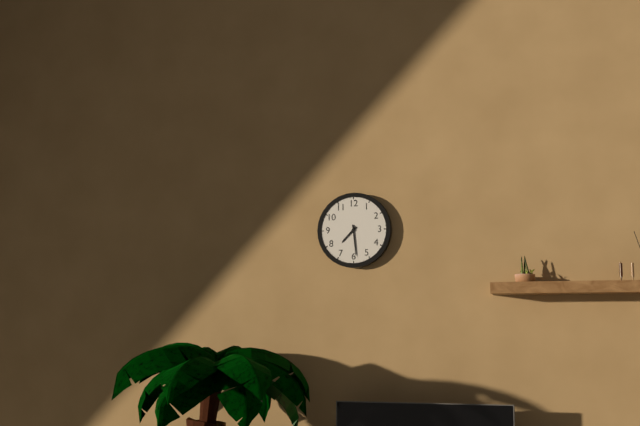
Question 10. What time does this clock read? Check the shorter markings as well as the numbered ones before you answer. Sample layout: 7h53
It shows 7h29
